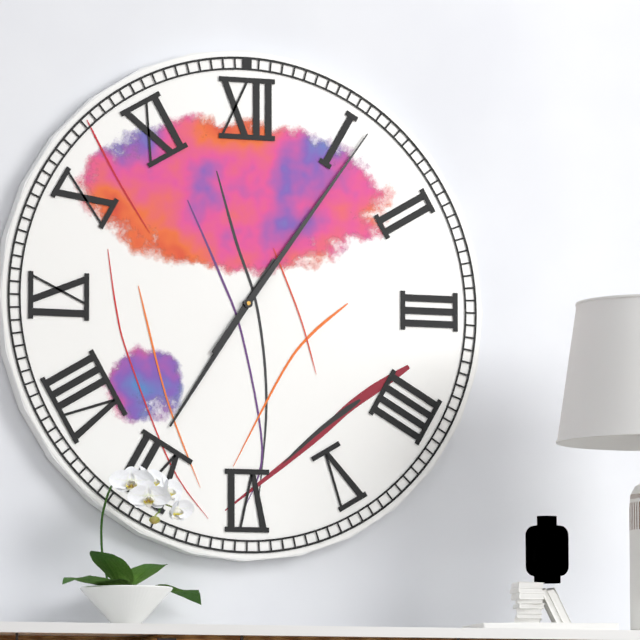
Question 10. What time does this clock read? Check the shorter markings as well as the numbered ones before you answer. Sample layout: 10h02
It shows 7h06
